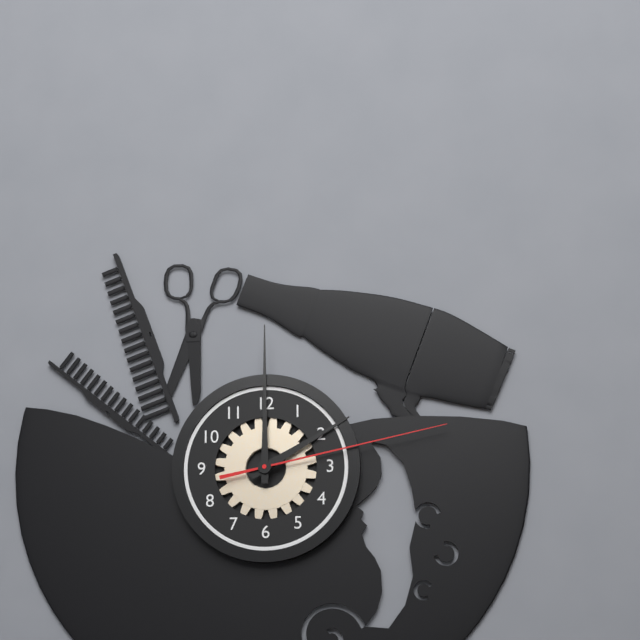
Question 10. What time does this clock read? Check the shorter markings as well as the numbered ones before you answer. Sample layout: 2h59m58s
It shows 2h00m13s
